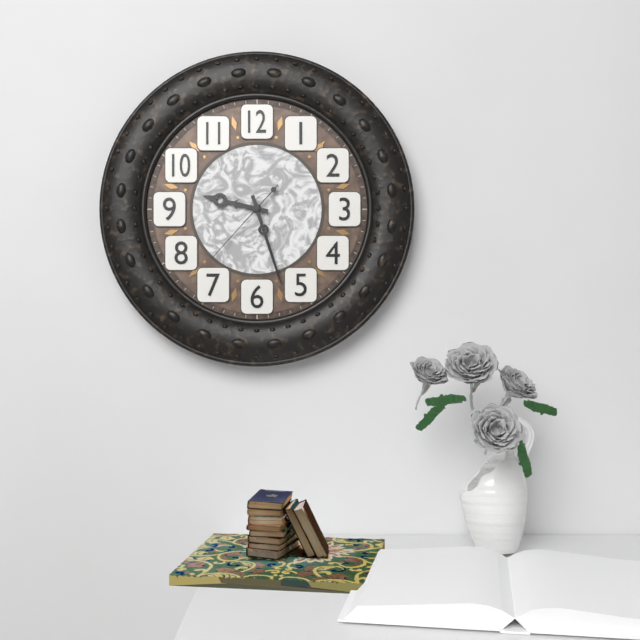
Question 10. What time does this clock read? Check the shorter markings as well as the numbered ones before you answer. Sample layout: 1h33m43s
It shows 9h27m37s
